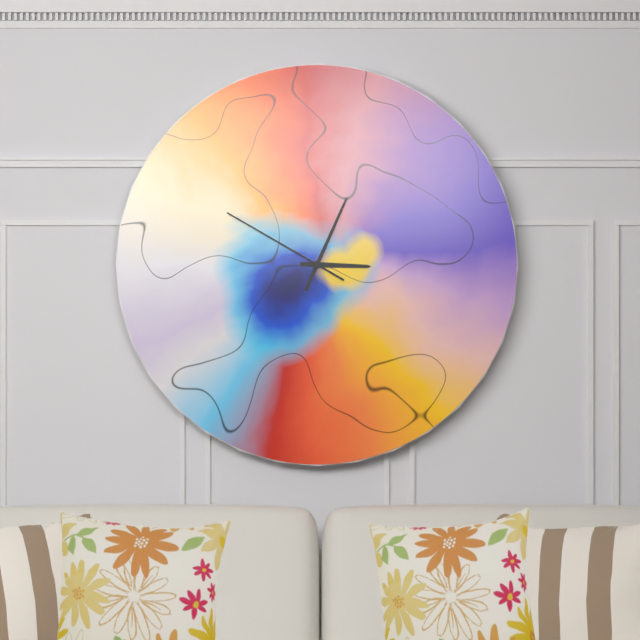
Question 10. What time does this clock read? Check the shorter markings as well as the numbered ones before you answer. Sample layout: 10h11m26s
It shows 3h04m50s
